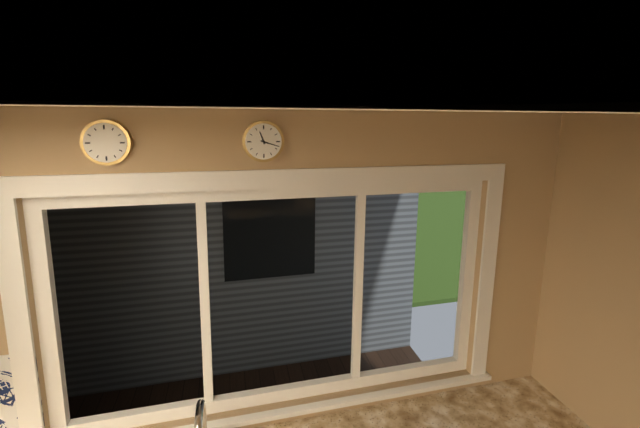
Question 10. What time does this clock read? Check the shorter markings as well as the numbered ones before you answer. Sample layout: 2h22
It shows 11h18
